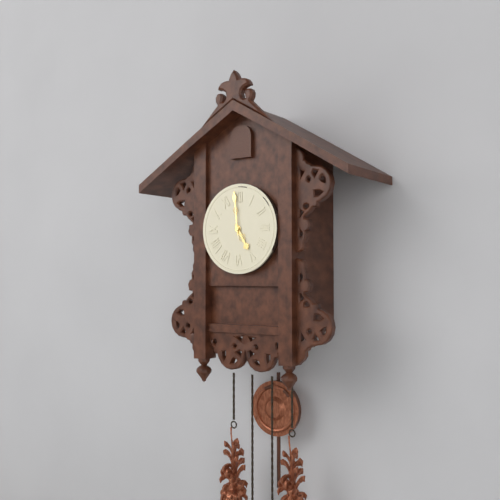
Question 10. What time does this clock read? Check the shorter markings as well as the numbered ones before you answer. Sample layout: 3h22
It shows 4h59
